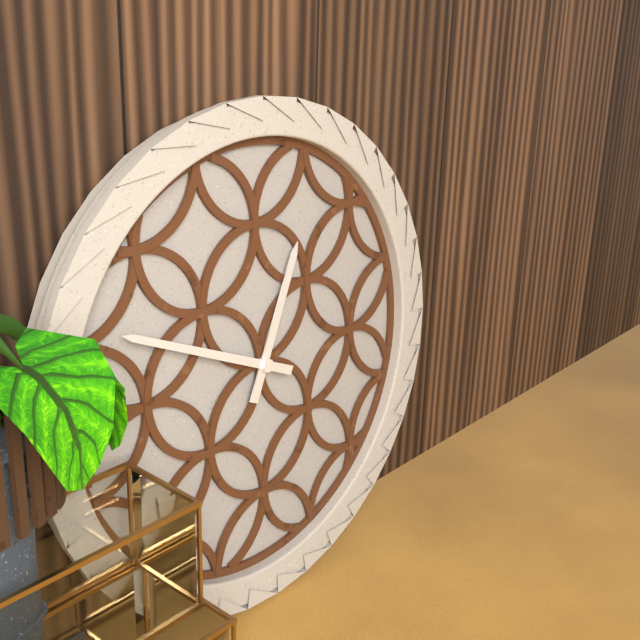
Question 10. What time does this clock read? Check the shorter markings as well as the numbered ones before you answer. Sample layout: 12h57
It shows 12h49
